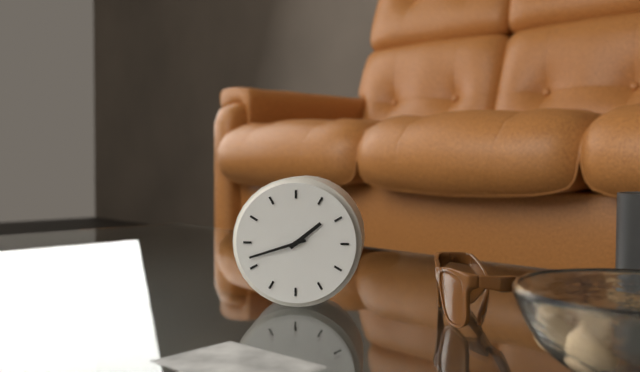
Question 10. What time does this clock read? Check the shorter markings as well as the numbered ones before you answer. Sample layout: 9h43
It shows 1h42
